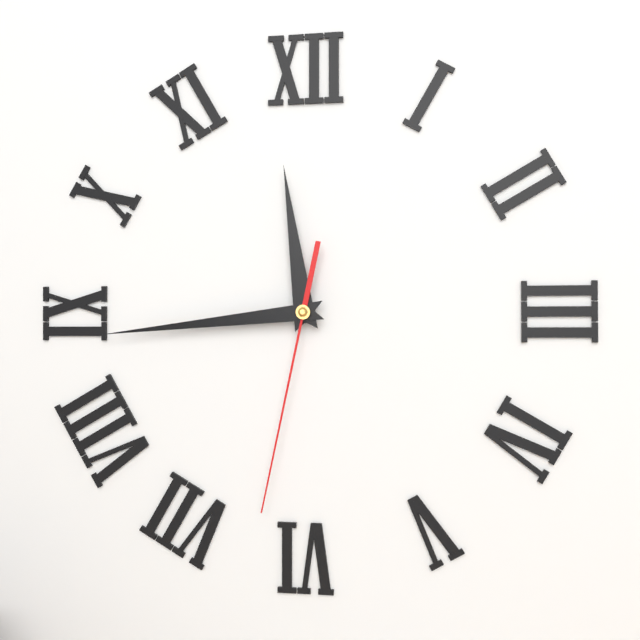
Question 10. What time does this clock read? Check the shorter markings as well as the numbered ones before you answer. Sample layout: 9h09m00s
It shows 11h44m32s
